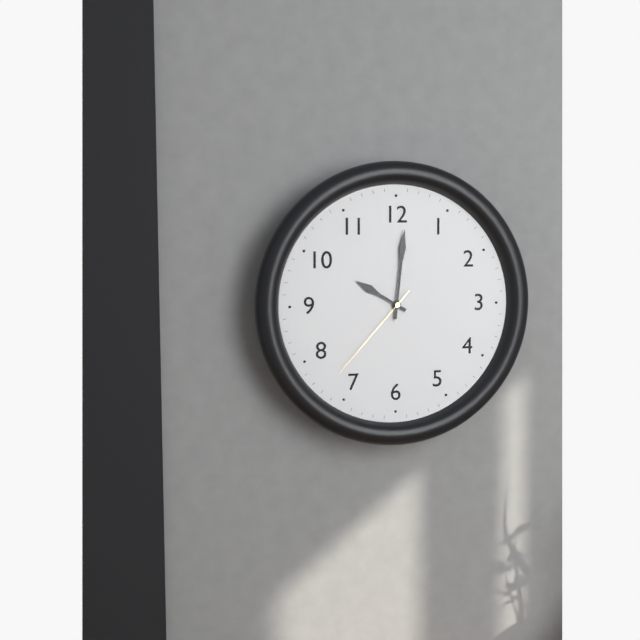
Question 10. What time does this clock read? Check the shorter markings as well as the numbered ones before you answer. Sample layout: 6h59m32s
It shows 10h01m37s
